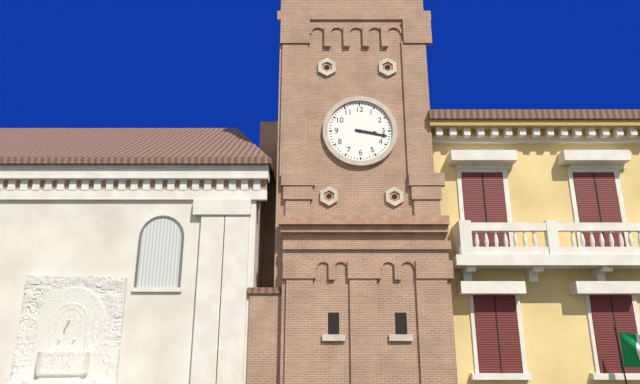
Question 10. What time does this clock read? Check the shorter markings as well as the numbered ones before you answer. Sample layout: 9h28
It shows 3h17
